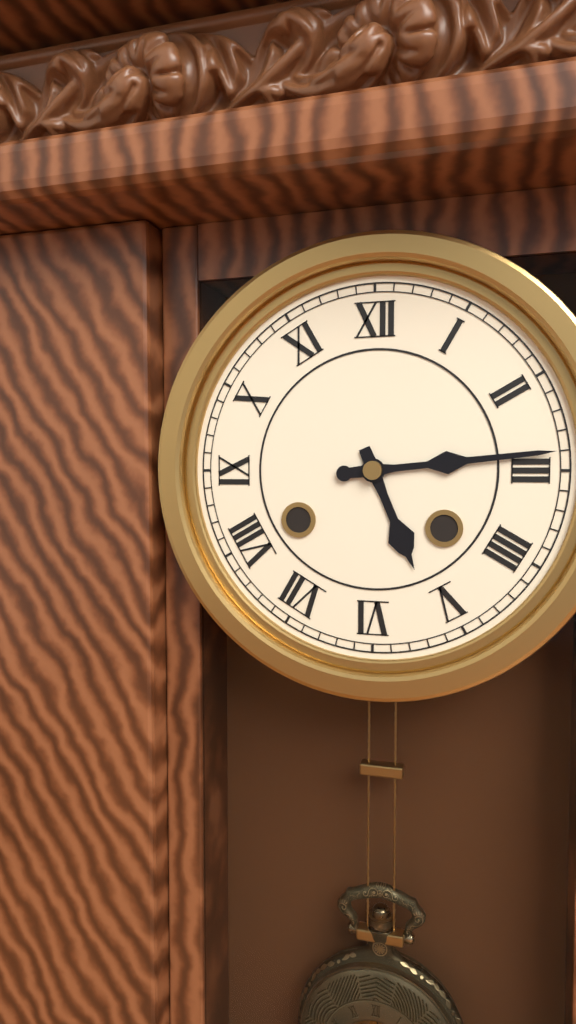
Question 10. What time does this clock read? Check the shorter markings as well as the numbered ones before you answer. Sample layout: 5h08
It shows 5h14
